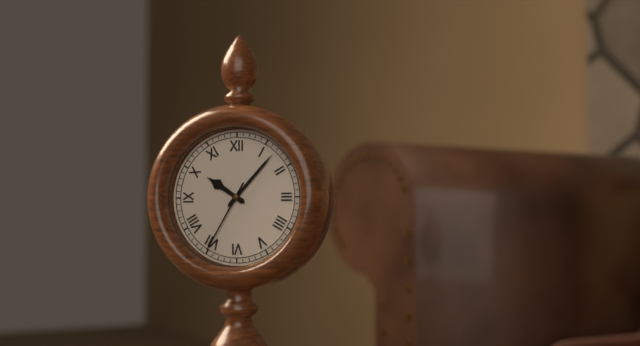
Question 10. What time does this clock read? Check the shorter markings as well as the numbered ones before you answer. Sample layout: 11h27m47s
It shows 10h07m35s
